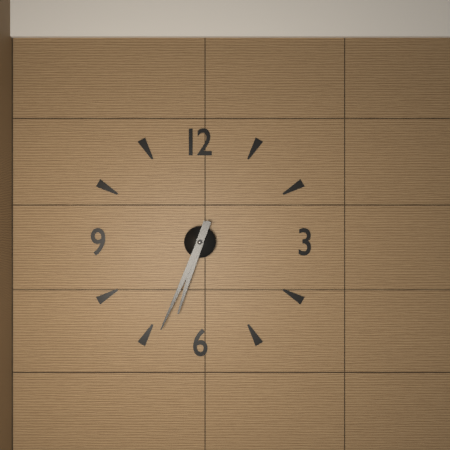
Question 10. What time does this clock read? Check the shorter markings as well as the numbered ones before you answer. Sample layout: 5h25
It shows 6h34
